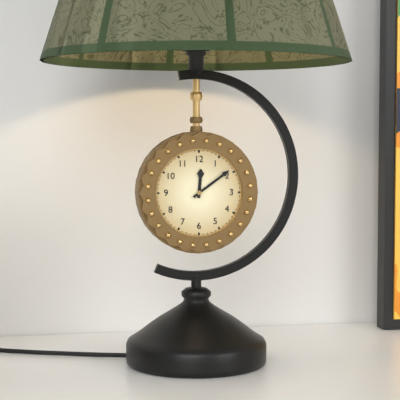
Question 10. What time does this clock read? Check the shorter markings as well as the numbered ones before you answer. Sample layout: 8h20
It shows 12h09
